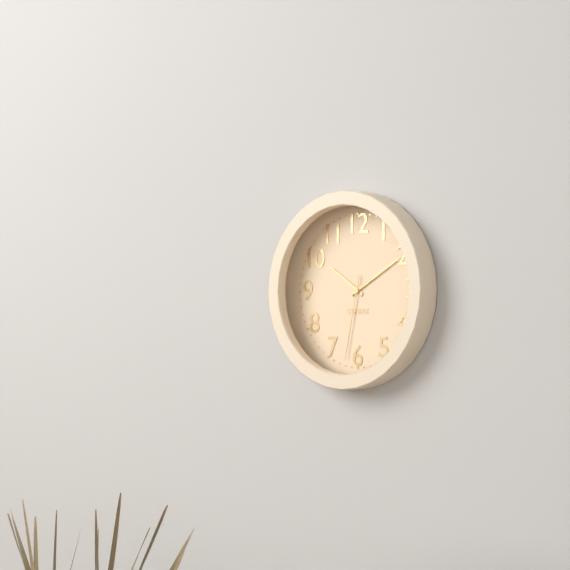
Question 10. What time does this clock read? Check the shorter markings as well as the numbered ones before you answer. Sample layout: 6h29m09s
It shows 10h10m32s
